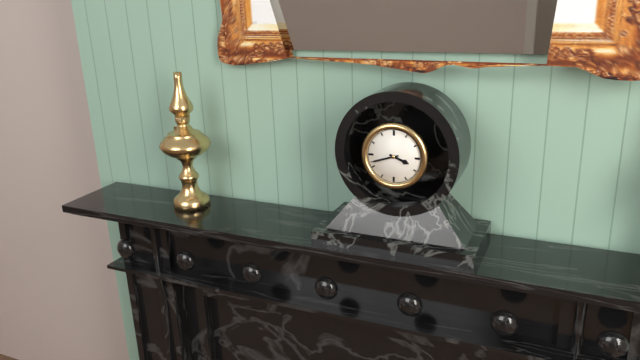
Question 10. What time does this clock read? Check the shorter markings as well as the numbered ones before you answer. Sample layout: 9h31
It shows 3h42
